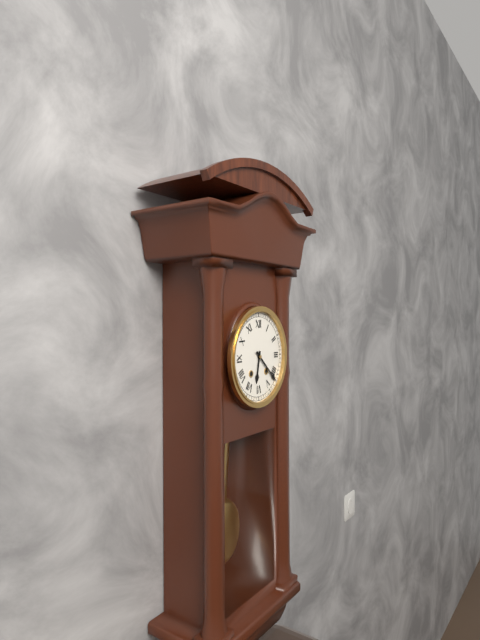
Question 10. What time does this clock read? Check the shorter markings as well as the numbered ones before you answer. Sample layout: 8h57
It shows 6h22
